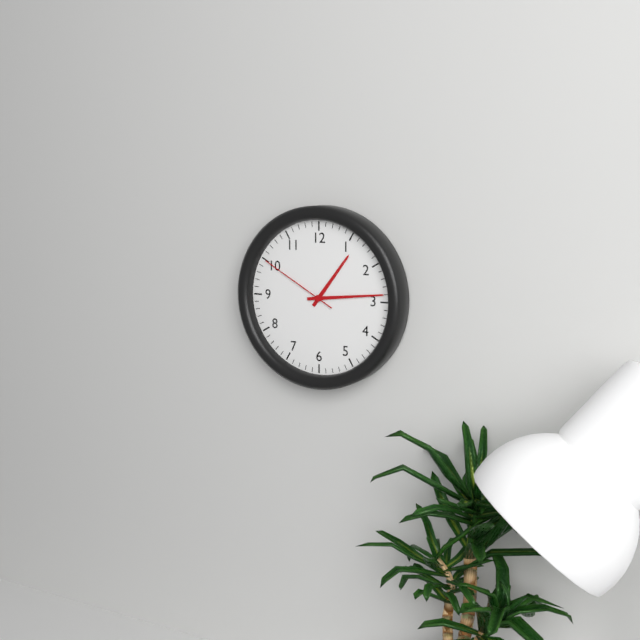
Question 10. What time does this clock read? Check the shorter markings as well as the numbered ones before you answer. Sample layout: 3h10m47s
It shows 1h14m50s
